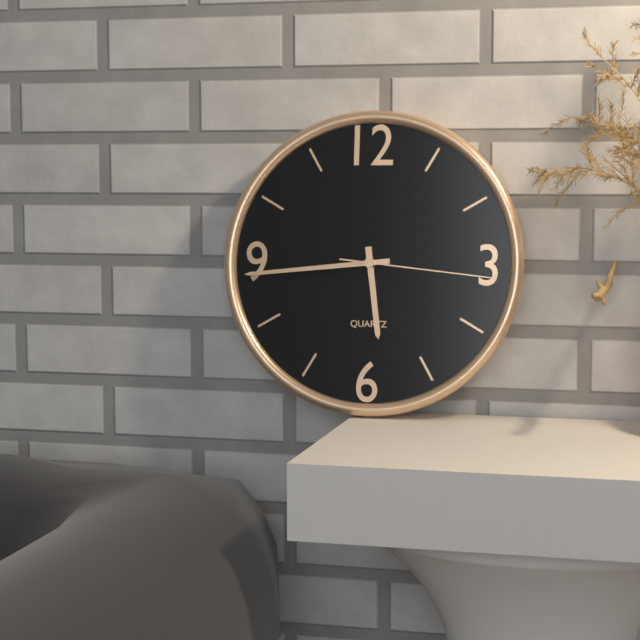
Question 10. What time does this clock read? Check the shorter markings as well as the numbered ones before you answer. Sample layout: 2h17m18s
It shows 5h44m16s
